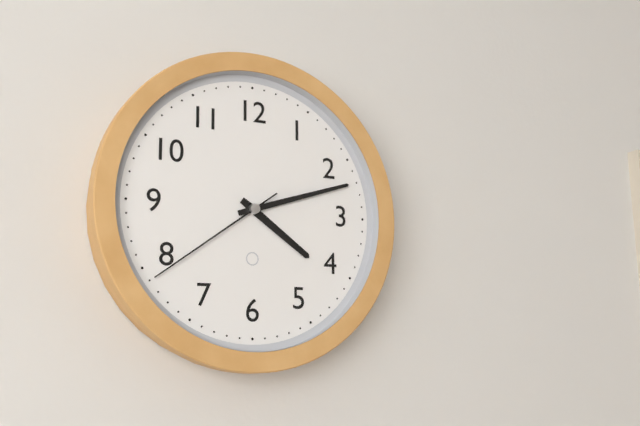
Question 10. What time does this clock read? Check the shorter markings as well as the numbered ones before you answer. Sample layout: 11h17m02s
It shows 4h12m39s
